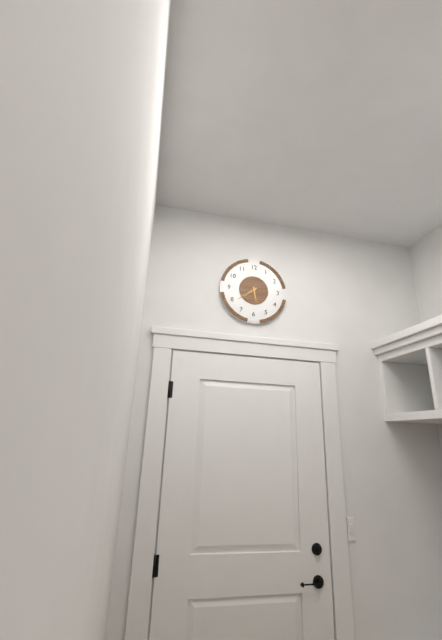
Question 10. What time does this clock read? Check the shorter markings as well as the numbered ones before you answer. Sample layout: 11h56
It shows 5h39
